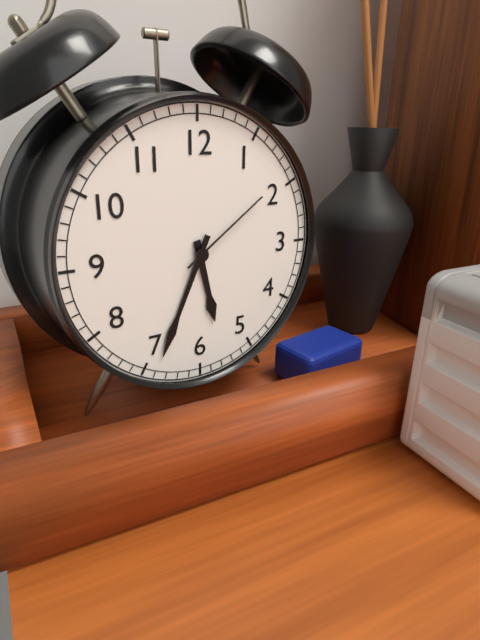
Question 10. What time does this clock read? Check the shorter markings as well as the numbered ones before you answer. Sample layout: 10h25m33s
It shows 5h34m09s
